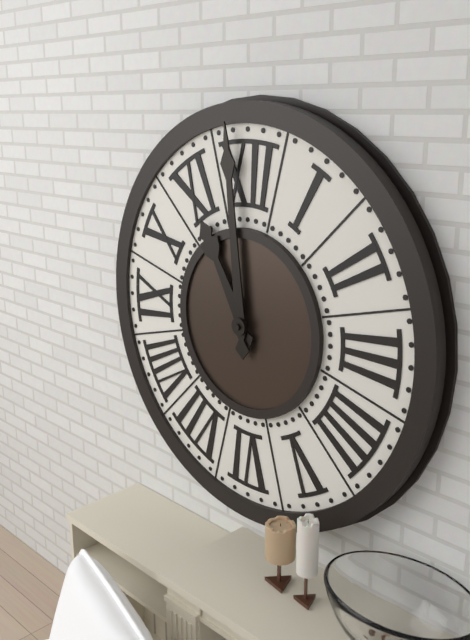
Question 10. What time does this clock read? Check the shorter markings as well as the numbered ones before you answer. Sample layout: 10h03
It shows 10h59
